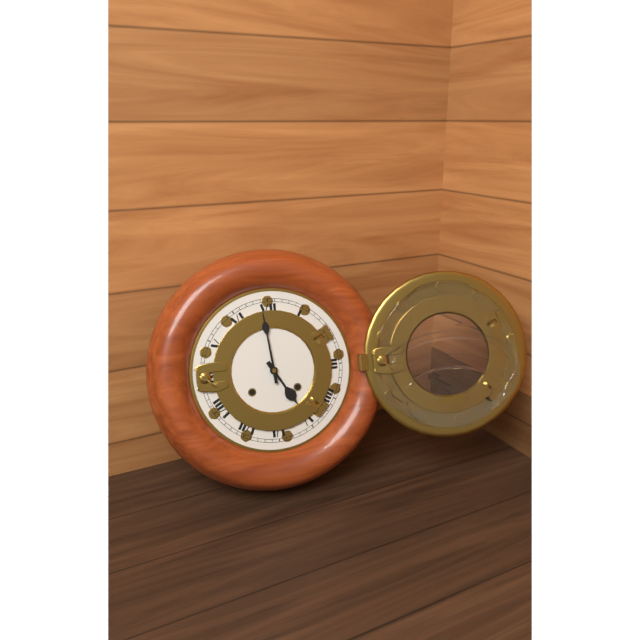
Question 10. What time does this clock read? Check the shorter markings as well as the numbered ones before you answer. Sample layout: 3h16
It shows 4h59
